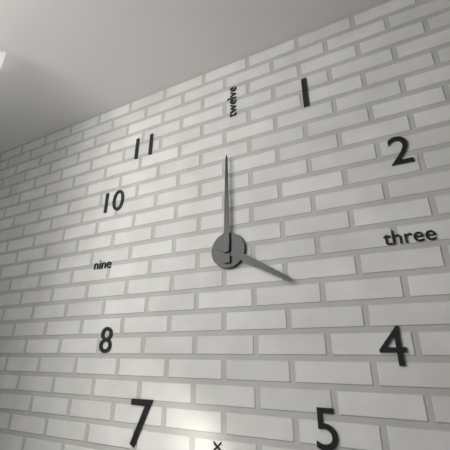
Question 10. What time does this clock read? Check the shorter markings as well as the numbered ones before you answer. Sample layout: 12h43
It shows 4h00
